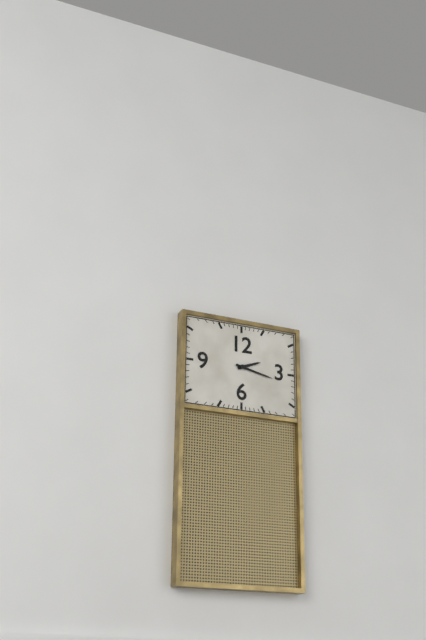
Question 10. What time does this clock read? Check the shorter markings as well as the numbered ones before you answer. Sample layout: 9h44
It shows 2h17
